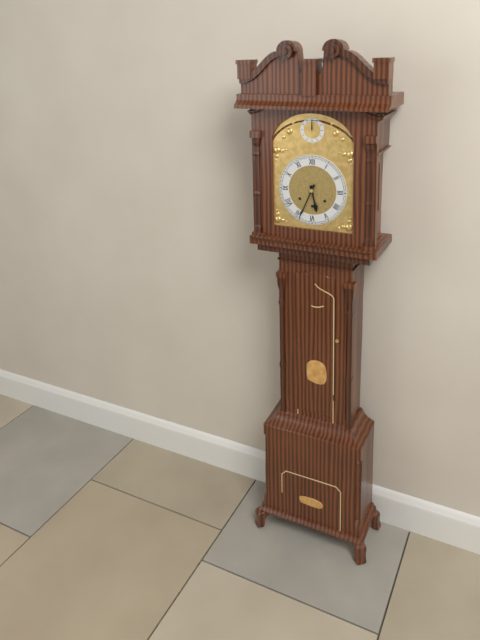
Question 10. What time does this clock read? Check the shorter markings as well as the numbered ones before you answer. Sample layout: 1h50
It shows 5h34
